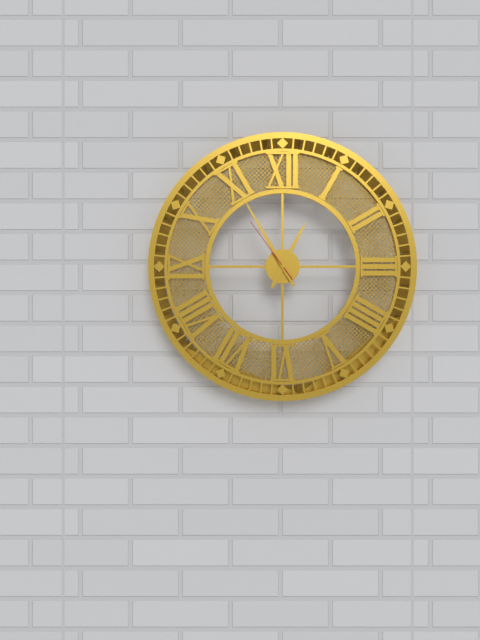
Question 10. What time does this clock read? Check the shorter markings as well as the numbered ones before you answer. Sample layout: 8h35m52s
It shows 12h55m54s
